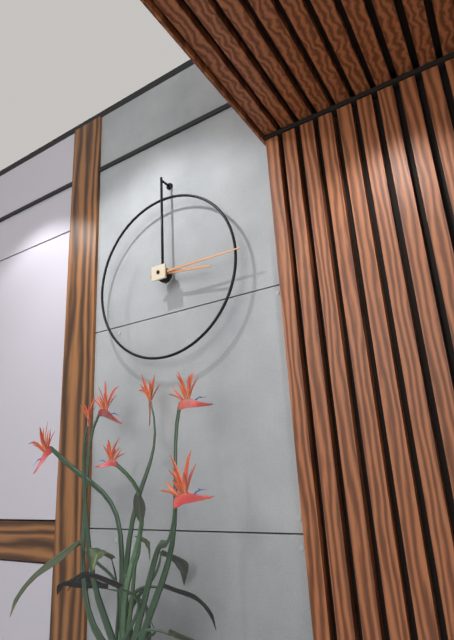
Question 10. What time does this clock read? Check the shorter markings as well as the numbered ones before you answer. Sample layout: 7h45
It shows 3h15
